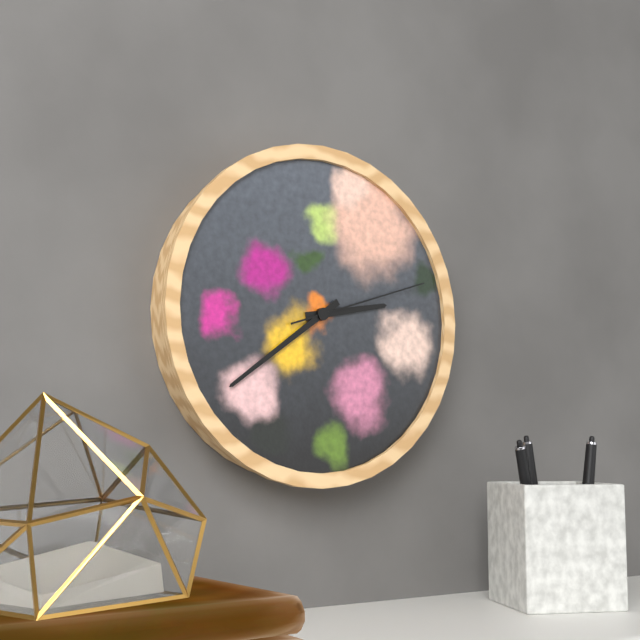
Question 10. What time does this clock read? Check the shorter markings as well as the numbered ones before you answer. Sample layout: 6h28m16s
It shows 2h39m12s
